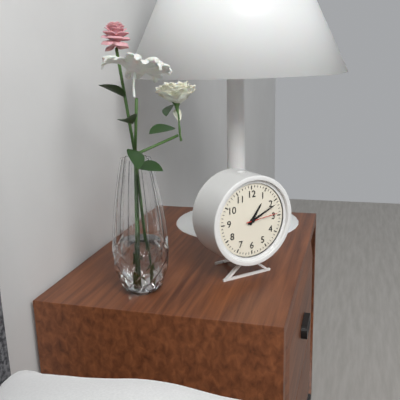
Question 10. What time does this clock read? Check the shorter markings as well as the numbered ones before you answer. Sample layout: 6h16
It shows 1h11
